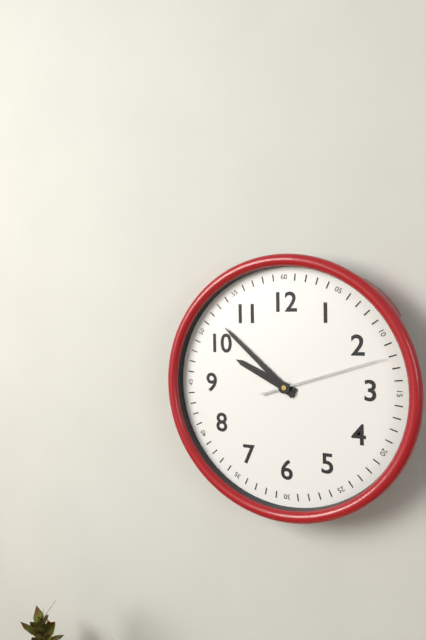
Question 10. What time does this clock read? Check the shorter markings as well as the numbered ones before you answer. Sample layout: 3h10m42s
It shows 9h52m12s
